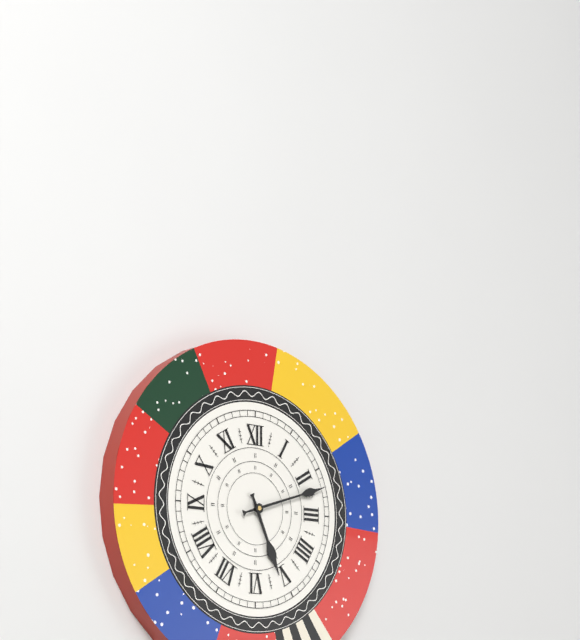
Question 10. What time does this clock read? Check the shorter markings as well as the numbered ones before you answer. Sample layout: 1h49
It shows 5h12
